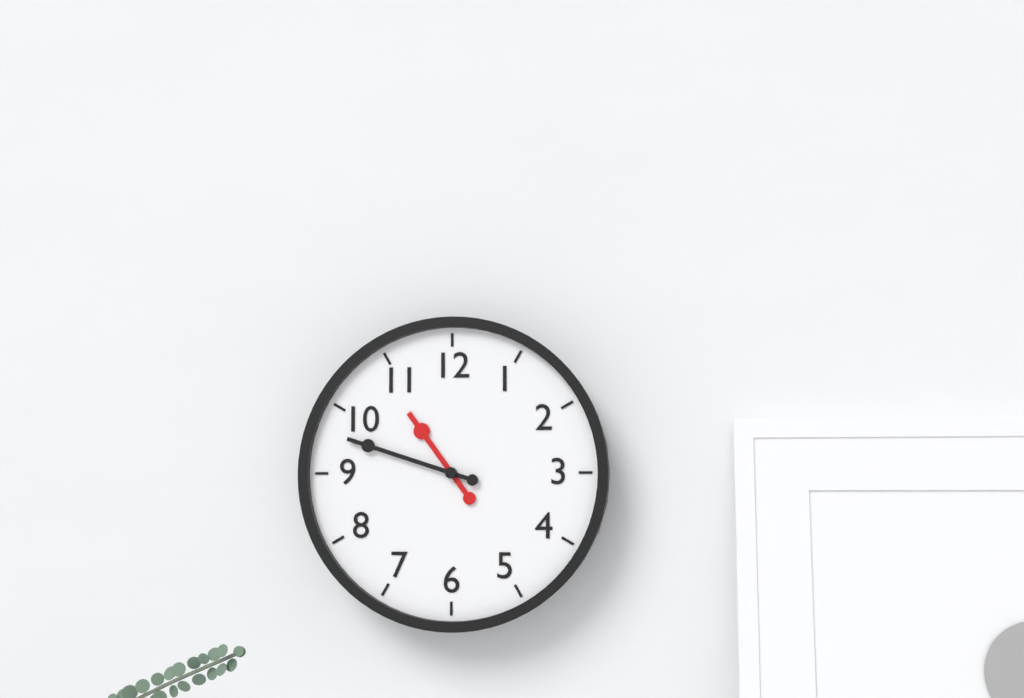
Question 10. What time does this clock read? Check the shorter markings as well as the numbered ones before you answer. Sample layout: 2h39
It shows 10h48
